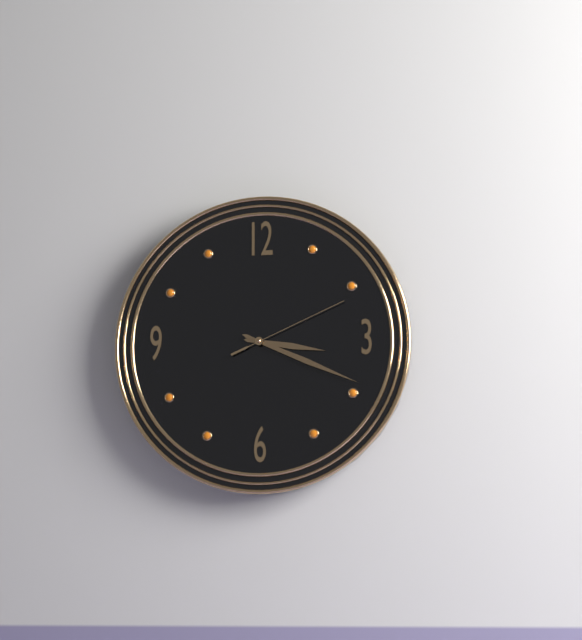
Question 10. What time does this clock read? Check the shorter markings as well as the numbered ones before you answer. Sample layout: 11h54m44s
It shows 3h19m11s
